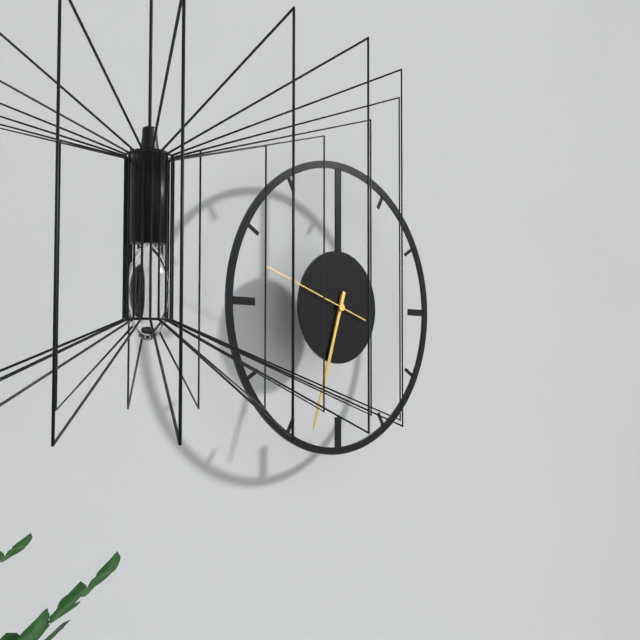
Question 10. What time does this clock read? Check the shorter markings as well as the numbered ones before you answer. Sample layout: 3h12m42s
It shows 6h33m48s
